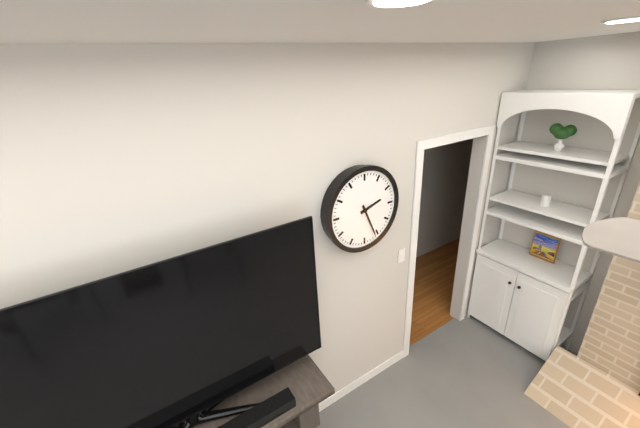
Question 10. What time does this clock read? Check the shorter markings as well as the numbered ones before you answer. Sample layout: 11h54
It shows 2h26
